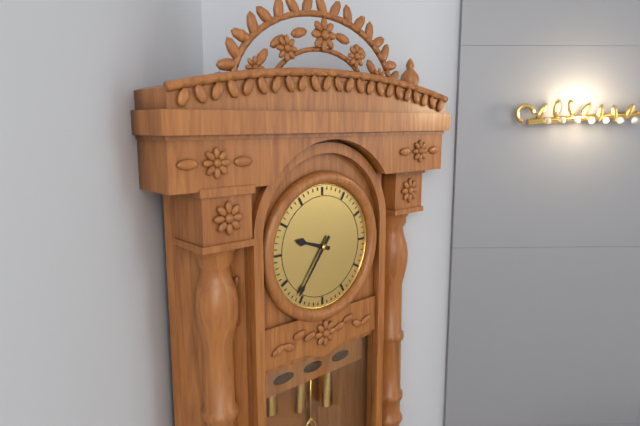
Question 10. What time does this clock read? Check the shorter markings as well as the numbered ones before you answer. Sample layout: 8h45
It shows 9h36
